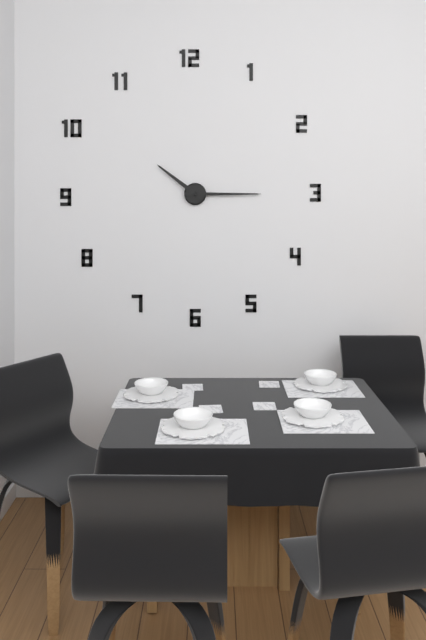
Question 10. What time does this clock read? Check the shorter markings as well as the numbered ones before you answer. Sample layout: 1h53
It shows 10h15
